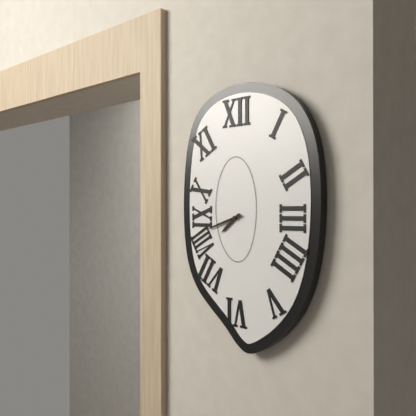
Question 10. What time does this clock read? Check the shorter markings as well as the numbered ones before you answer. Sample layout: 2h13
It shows 7h42
